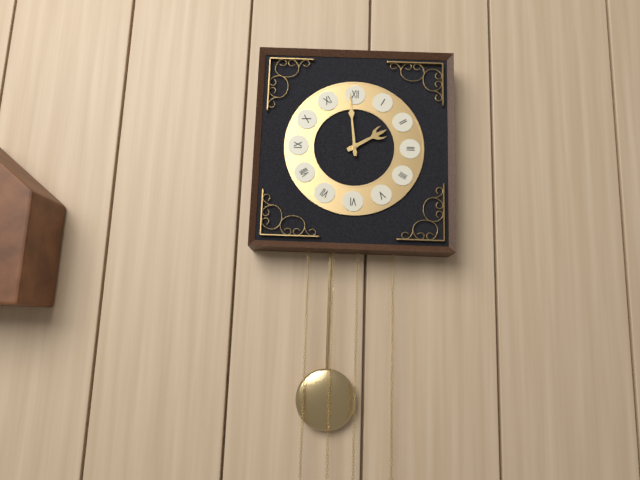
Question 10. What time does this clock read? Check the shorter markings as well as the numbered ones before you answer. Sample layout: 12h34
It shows 1h59
